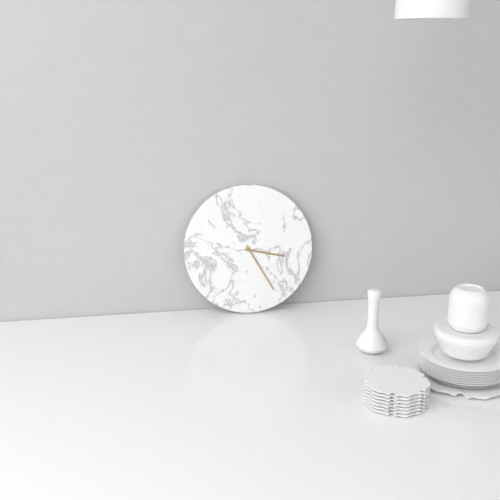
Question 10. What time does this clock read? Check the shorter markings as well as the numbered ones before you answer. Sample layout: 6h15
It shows 3h25
